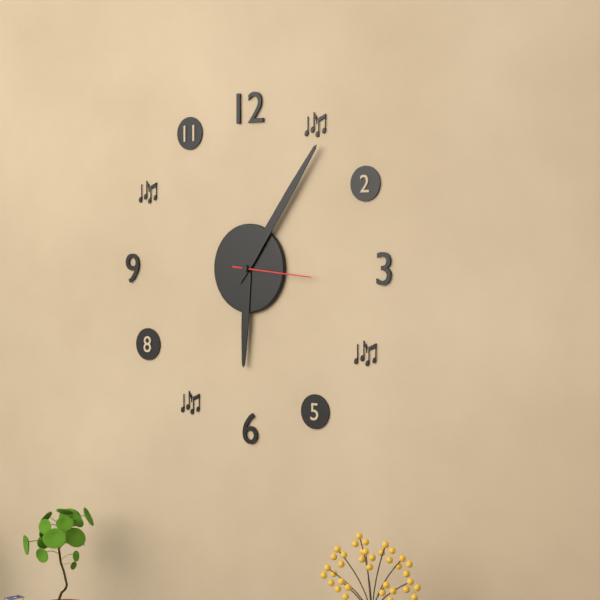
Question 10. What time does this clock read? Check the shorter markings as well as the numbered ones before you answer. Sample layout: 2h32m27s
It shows 6h06m16s
